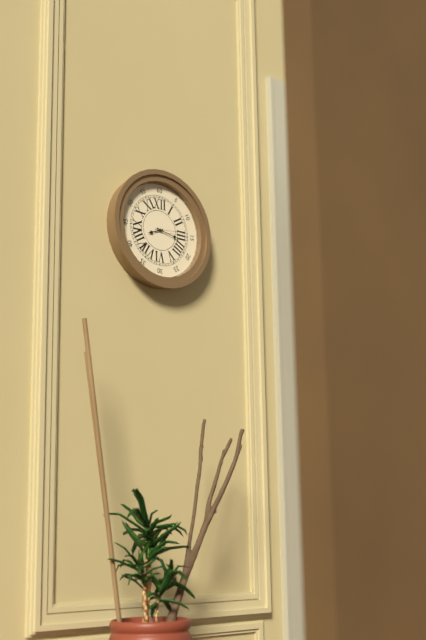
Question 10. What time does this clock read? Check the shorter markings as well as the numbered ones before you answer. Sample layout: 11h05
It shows 8h17
